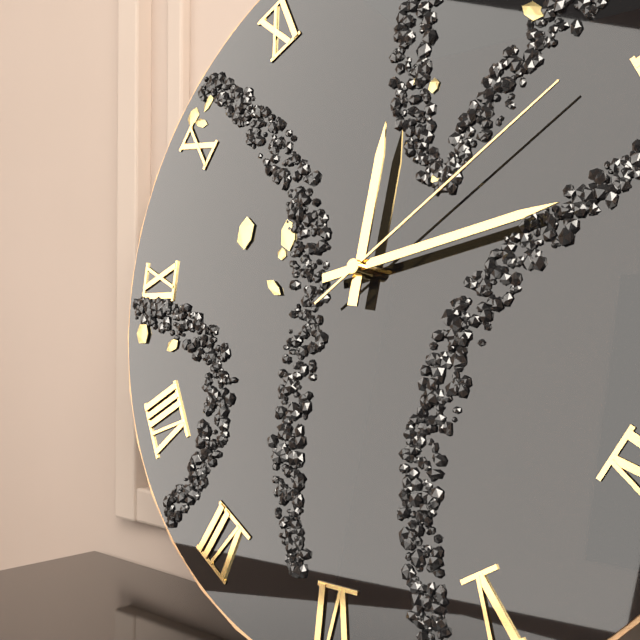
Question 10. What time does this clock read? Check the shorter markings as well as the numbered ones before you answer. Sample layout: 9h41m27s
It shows 12h13m09s
